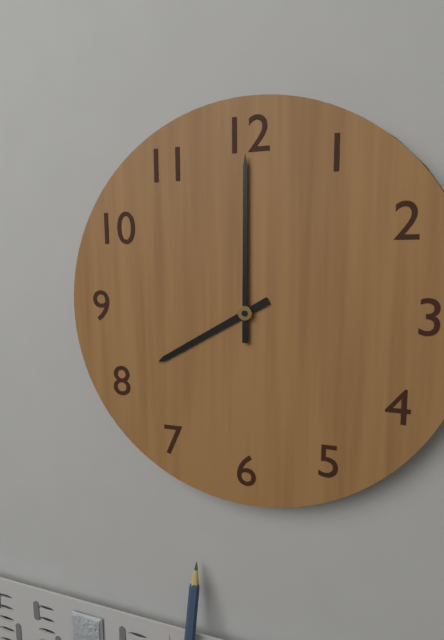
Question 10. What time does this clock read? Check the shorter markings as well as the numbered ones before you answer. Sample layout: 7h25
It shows 8h00
